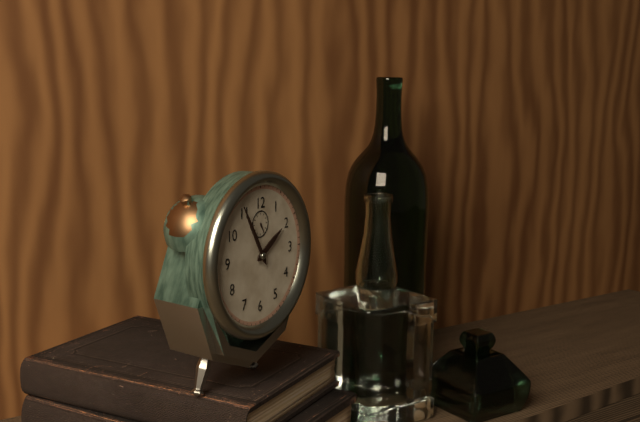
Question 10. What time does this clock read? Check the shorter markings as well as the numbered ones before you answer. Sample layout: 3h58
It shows 1h55
